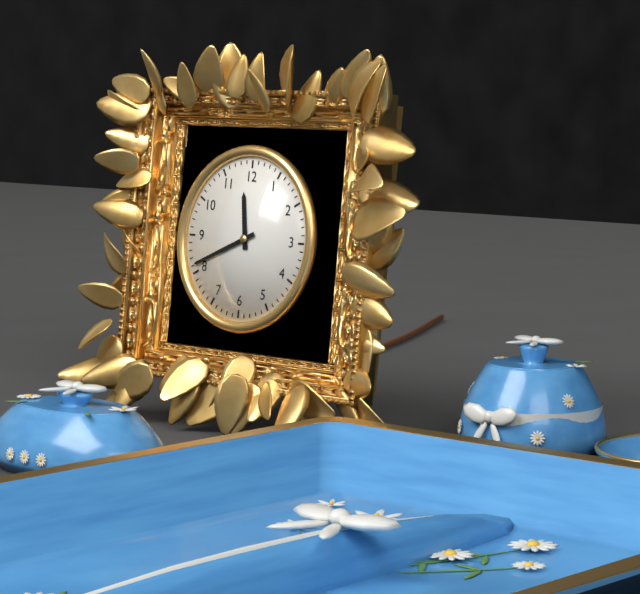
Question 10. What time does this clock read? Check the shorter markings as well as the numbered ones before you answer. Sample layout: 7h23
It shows 11h41
